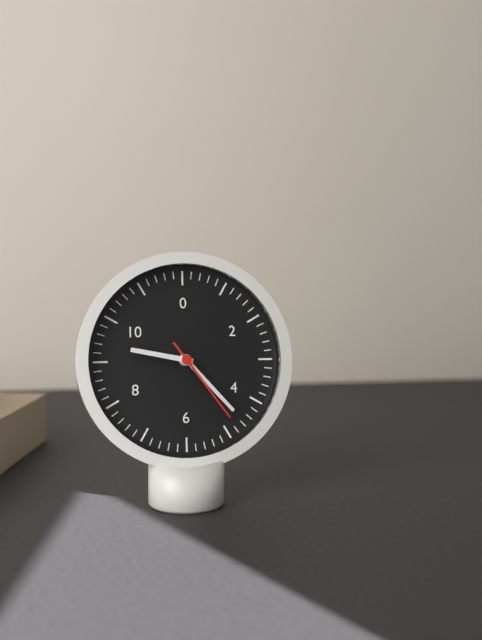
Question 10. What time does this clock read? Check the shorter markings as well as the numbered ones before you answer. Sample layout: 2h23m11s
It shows 9h23m24s
